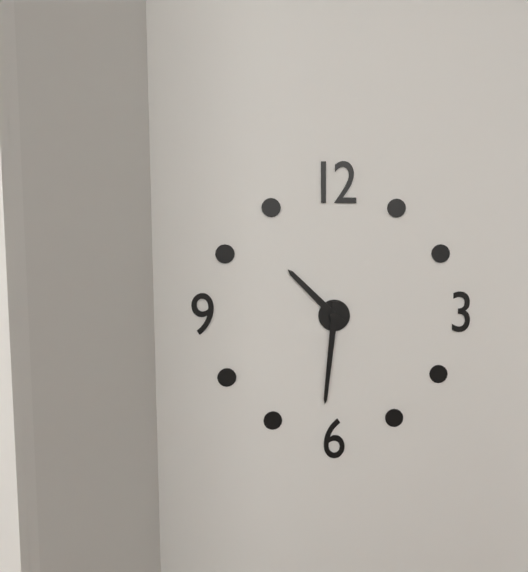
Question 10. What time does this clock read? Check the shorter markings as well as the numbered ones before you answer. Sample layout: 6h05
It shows 10h31
